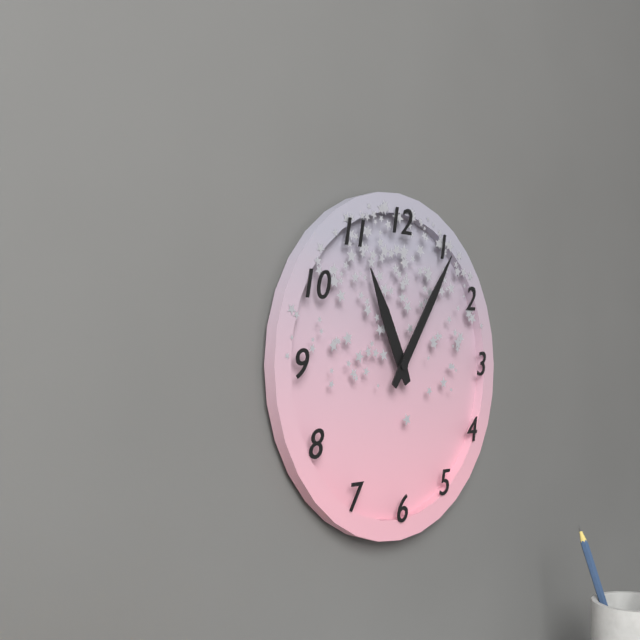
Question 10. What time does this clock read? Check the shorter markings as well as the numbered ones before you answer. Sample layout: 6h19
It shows 11h06
